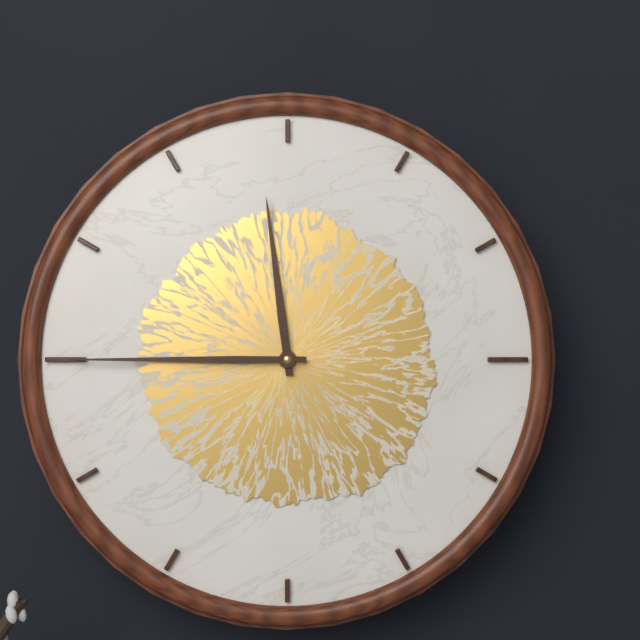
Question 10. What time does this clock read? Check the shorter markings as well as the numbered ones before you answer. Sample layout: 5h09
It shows 11h45
